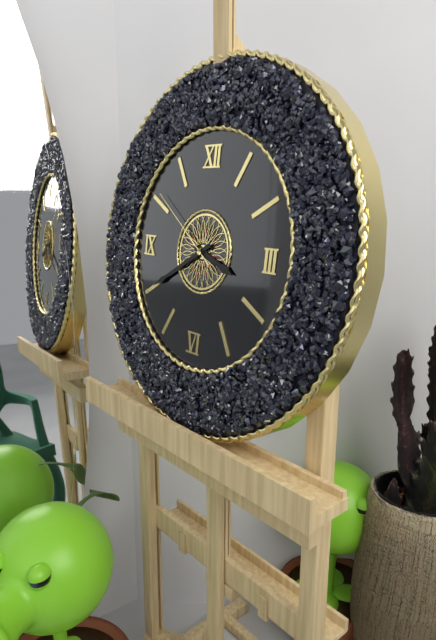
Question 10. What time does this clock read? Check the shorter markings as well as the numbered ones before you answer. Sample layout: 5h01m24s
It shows 3h40m51s
